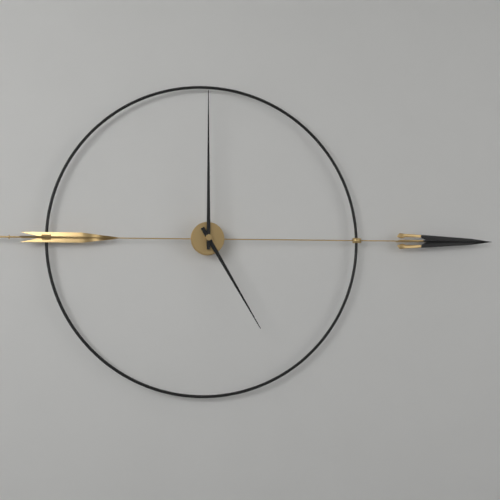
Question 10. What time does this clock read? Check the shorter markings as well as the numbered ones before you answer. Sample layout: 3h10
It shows 5h00
